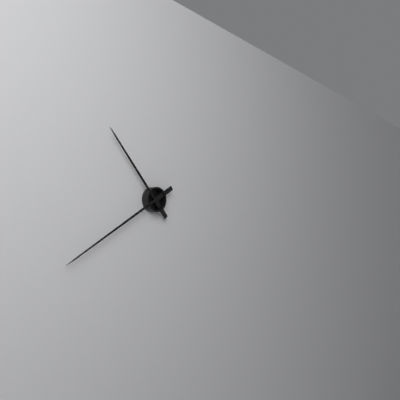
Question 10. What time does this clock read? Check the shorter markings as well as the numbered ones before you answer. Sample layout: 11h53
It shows 10h40
